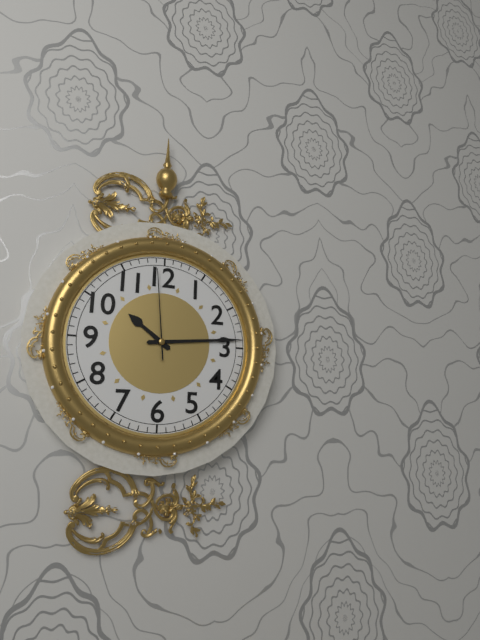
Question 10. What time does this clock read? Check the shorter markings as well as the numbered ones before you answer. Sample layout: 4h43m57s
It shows 10h14m59s
